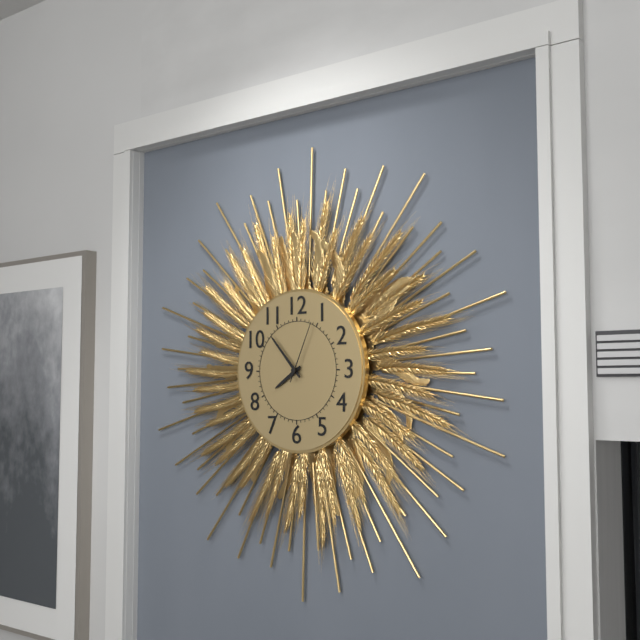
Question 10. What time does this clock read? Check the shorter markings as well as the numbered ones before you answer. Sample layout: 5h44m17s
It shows 7h53m04s
